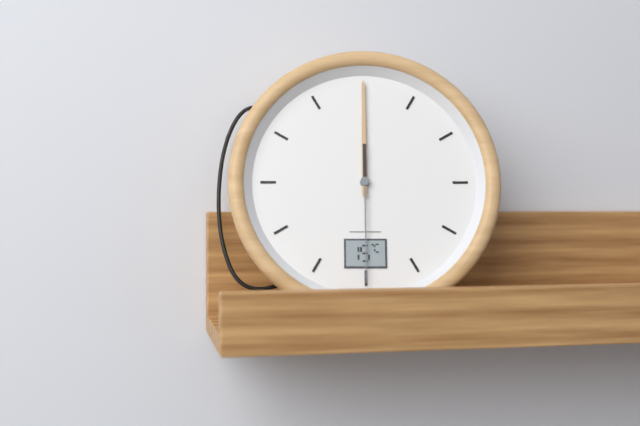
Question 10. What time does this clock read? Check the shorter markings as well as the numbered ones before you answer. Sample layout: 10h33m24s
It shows 12h00m30s
